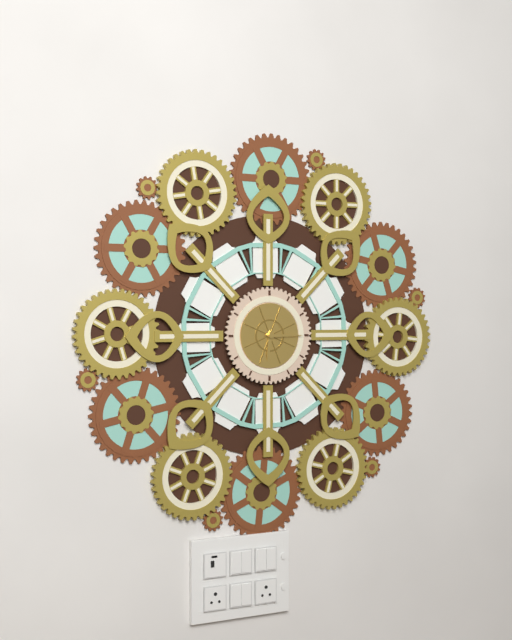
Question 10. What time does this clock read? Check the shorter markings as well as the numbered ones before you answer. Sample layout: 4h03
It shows 6h15
